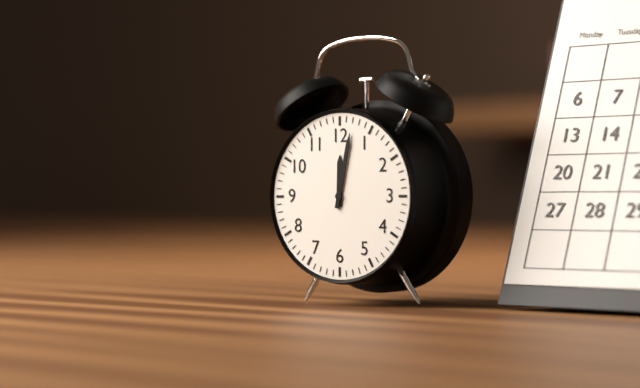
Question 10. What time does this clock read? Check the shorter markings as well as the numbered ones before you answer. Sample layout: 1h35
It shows 12h02
